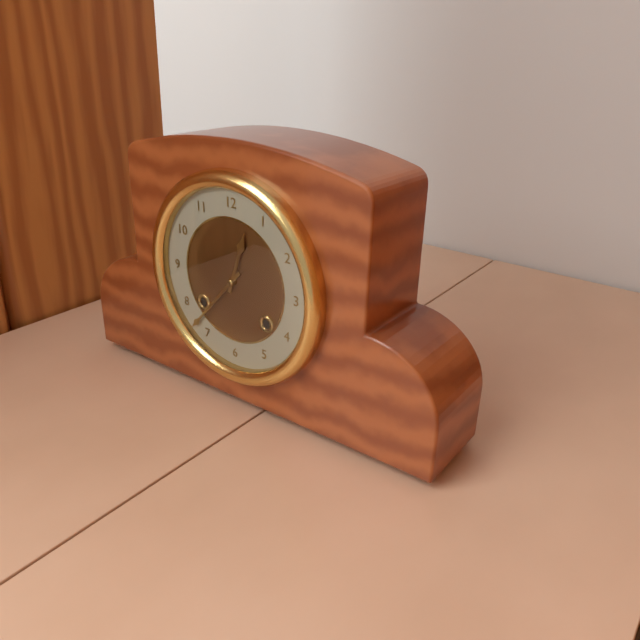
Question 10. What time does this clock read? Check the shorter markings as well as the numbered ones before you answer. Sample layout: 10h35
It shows 12h37
